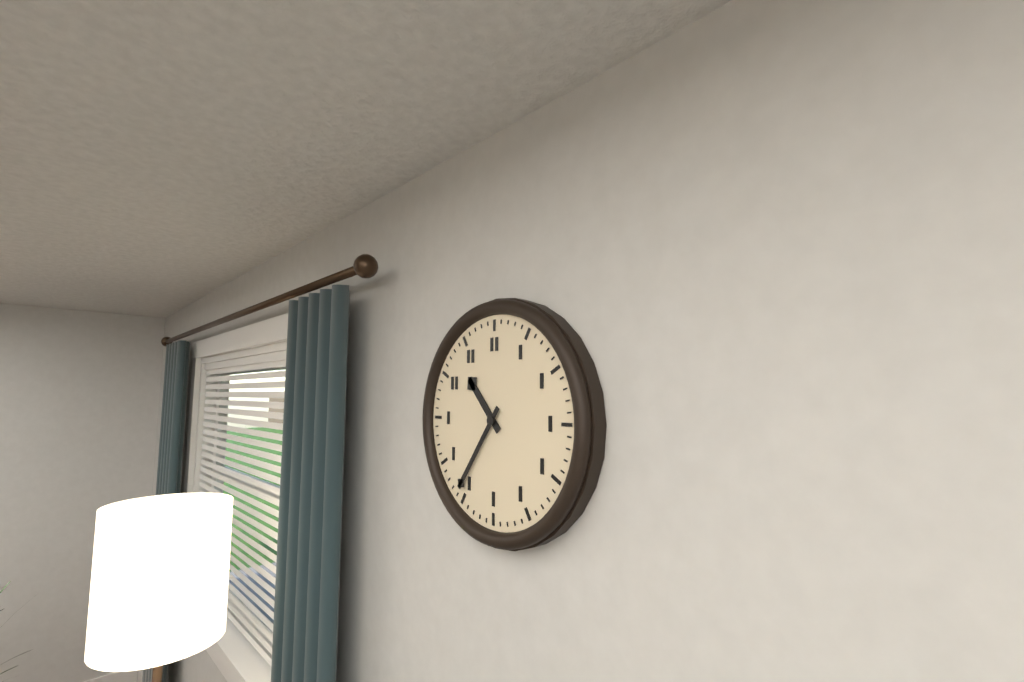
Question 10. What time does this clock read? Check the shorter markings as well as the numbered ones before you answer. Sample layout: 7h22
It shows 10h36
